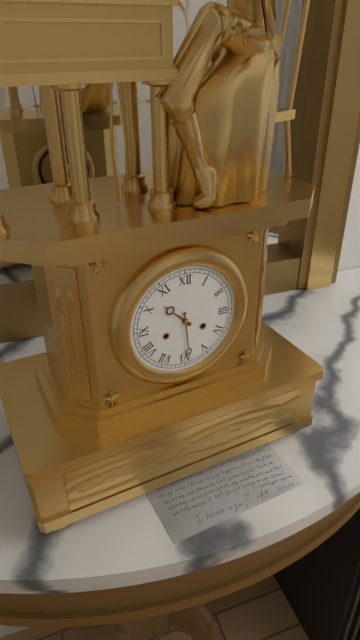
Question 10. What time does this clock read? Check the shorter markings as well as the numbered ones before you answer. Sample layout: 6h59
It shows 10h29
